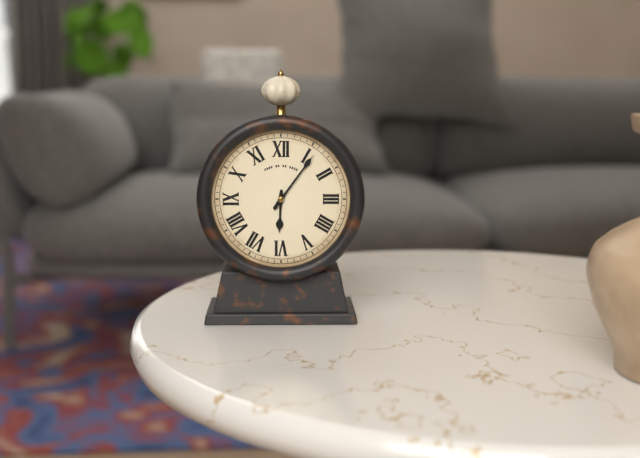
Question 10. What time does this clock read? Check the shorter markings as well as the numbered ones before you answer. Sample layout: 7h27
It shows 6h06
